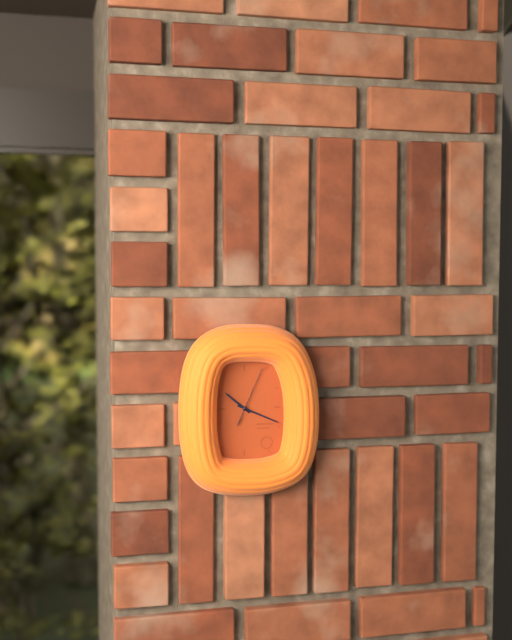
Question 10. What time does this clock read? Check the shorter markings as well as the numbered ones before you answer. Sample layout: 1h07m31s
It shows 10h19m04s
